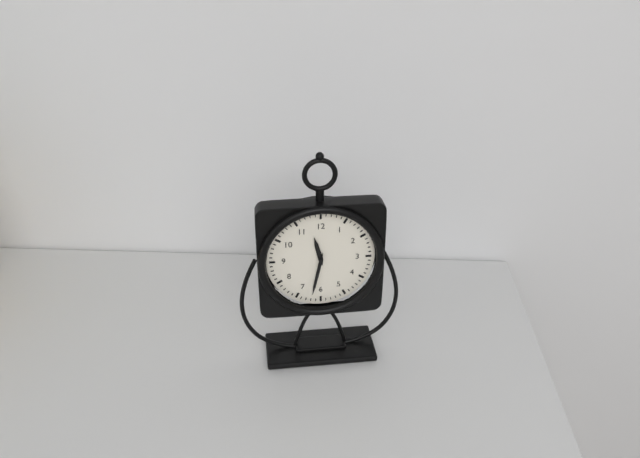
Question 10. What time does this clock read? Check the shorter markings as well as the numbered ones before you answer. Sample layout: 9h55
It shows 11h32
